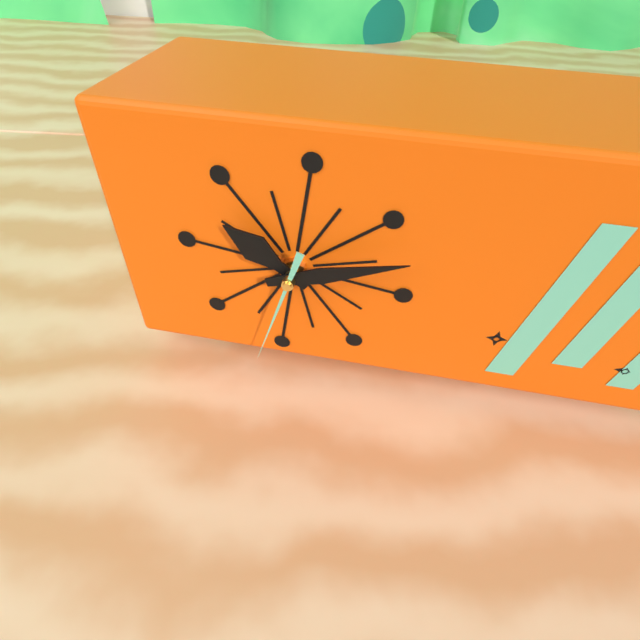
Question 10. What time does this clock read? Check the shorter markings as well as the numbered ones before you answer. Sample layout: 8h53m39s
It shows 10h12m33s
